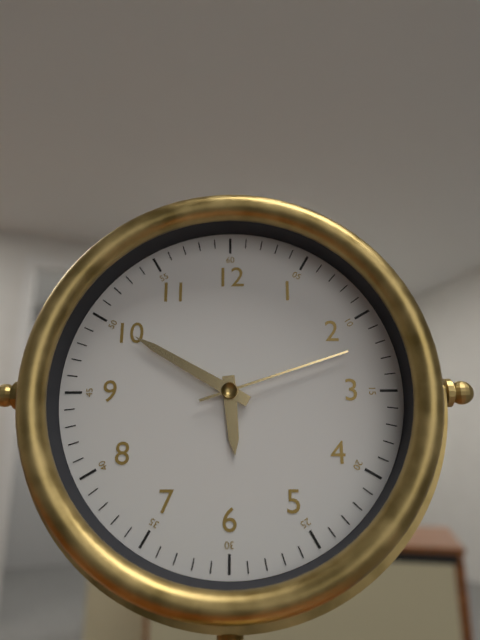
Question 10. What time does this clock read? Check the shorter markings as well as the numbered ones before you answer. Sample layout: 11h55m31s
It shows 5h50m12s
